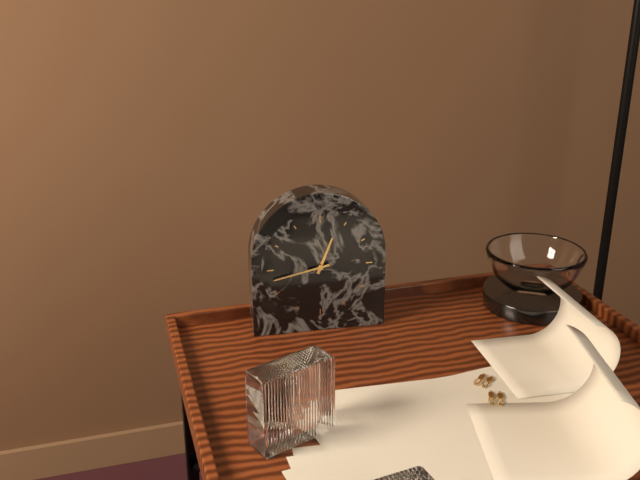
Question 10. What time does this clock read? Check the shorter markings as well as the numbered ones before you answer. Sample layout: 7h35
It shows 12h43
